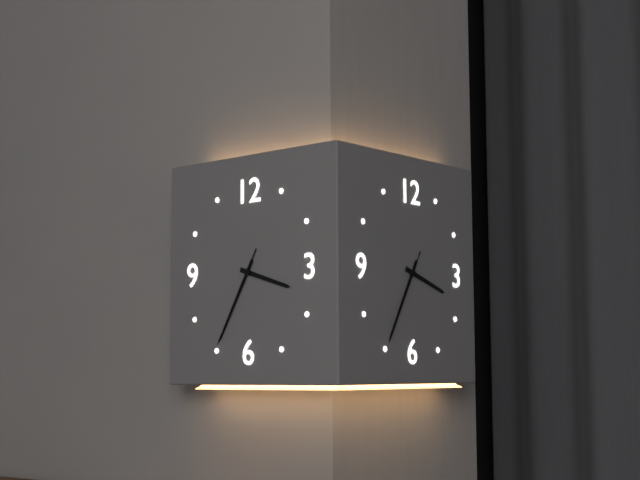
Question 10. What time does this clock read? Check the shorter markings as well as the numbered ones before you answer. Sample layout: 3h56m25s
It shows 3h35m35s
